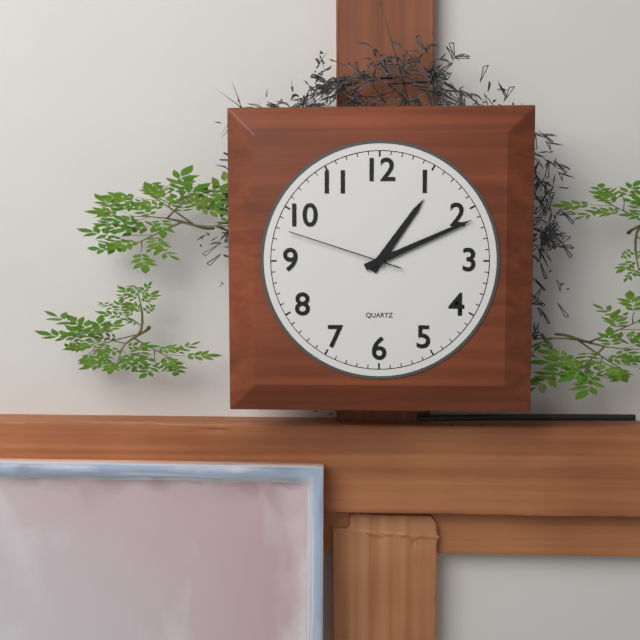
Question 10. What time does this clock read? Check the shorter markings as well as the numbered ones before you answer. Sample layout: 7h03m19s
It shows 1h11m48s
